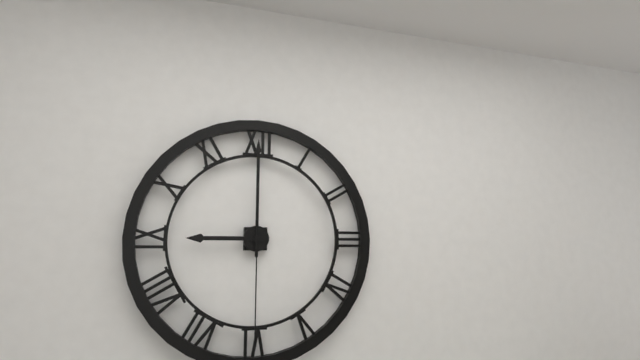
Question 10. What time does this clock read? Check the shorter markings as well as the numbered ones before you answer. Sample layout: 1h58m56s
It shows 9h00m30s
